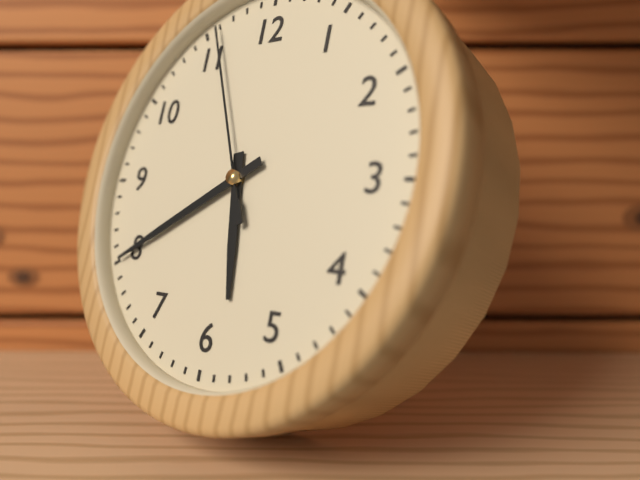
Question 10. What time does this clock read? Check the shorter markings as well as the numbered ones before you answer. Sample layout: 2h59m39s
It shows 5h40m56s
